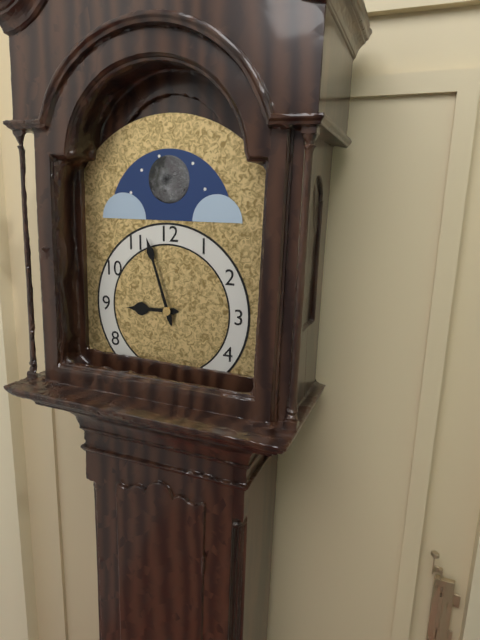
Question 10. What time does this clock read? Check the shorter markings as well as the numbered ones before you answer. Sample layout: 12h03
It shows 8h57
